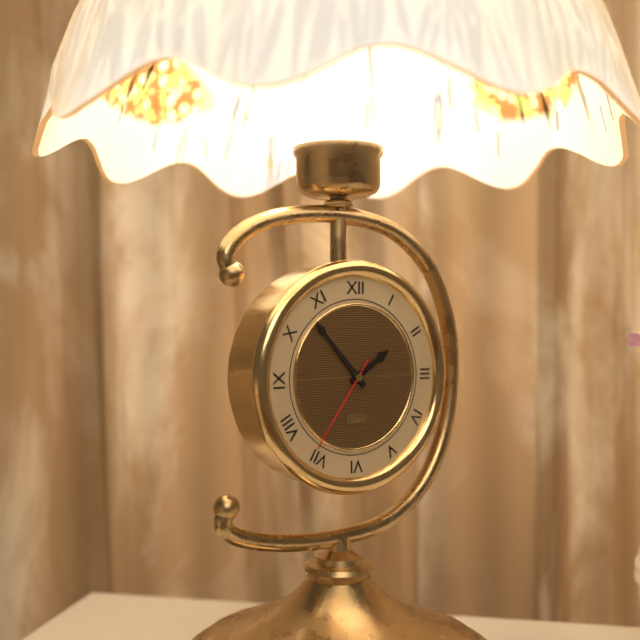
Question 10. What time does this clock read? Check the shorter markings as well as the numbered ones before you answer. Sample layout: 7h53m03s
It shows 1h53m36s
